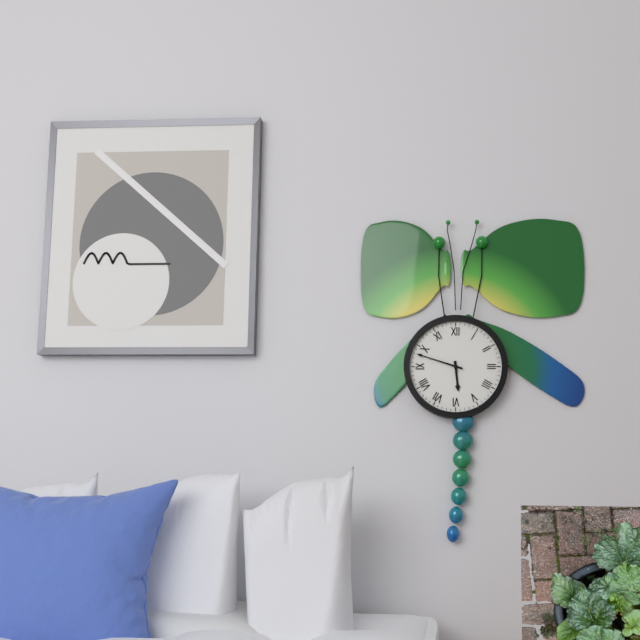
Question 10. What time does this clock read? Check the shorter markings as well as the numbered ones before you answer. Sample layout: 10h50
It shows 5h48
